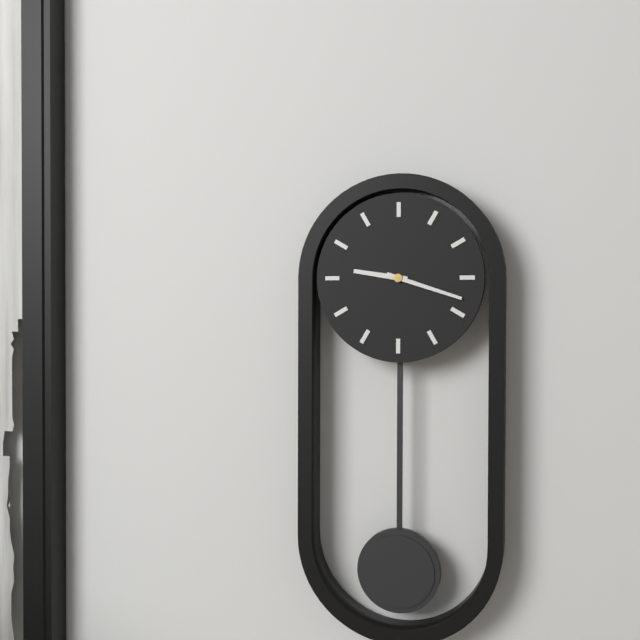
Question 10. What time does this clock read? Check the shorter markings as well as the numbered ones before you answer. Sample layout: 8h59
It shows 9h18
